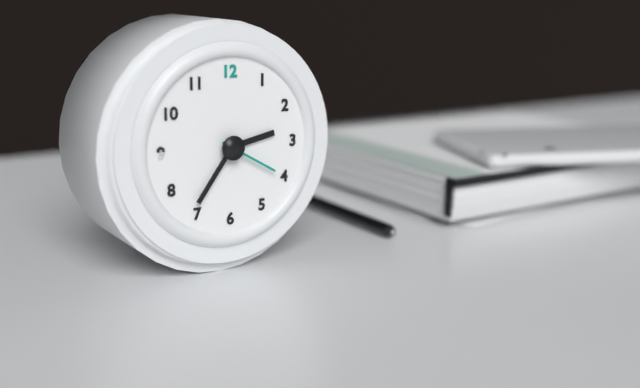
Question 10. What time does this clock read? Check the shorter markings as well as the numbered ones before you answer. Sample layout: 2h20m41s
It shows 2h36m20s
